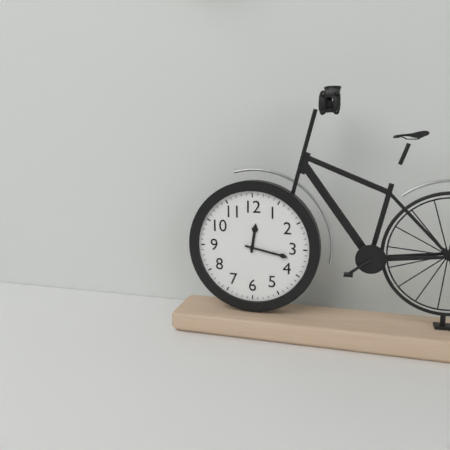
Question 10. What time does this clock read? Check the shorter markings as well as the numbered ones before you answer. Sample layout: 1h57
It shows 12h17
